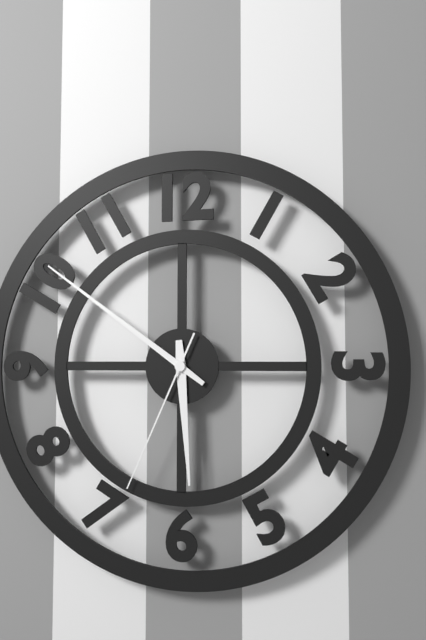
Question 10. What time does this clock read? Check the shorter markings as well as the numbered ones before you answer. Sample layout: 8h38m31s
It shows 5h51m34s
